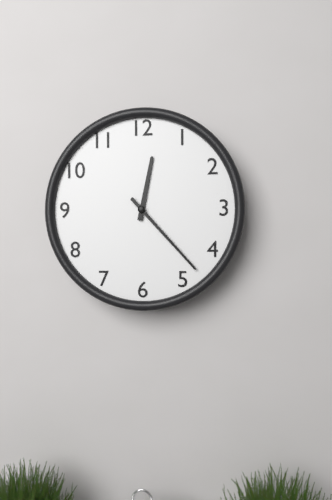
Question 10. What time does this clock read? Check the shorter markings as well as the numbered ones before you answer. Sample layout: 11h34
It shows 12h23
